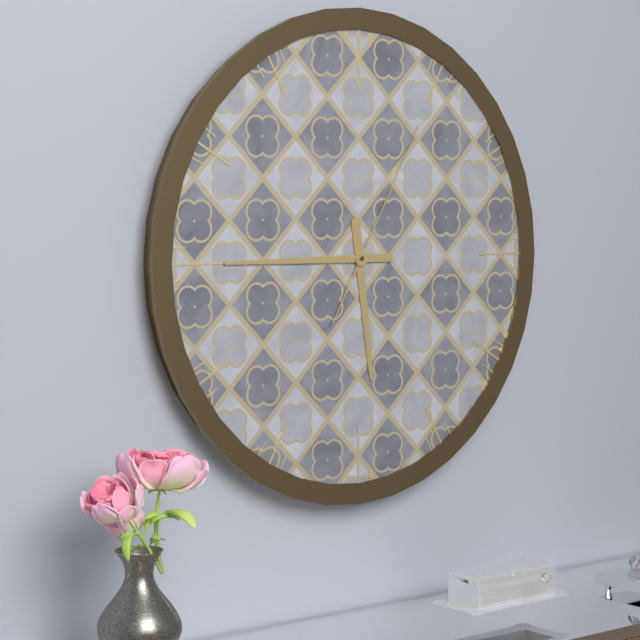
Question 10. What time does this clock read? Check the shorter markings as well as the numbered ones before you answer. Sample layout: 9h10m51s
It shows 5h45m05s
